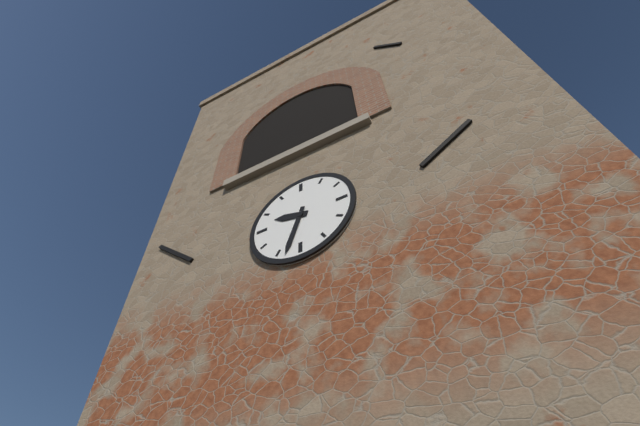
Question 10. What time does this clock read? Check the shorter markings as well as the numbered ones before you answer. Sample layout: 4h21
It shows 9h33
